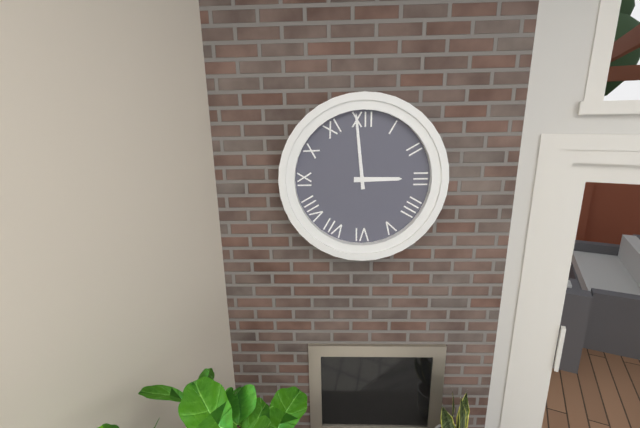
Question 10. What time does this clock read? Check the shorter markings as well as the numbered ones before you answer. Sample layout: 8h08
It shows 2h59
